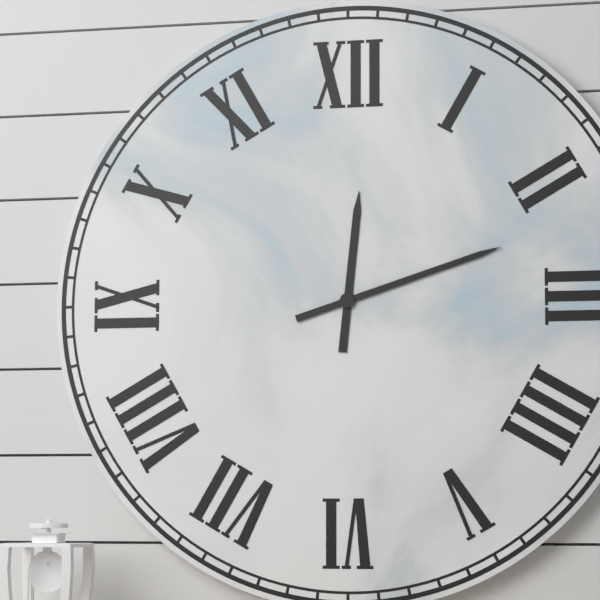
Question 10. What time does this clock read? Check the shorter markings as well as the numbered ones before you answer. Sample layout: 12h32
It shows 12h12
